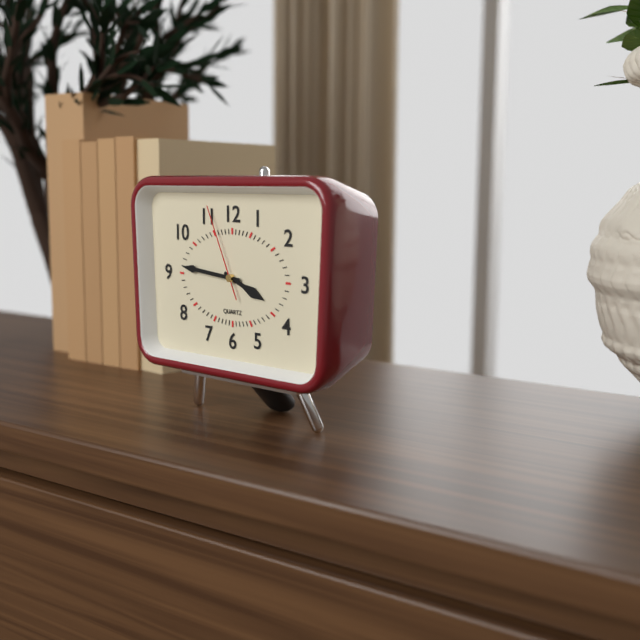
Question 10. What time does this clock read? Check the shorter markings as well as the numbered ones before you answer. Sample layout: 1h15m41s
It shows 3h46m56s
